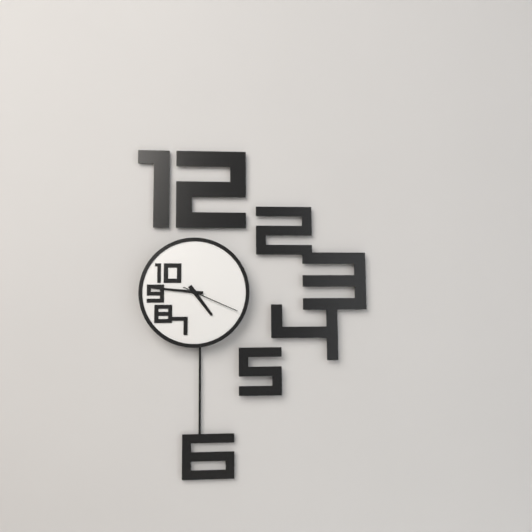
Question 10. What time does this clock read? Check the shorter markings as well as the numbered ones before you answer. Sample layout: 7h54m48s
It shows 4h46m19s
